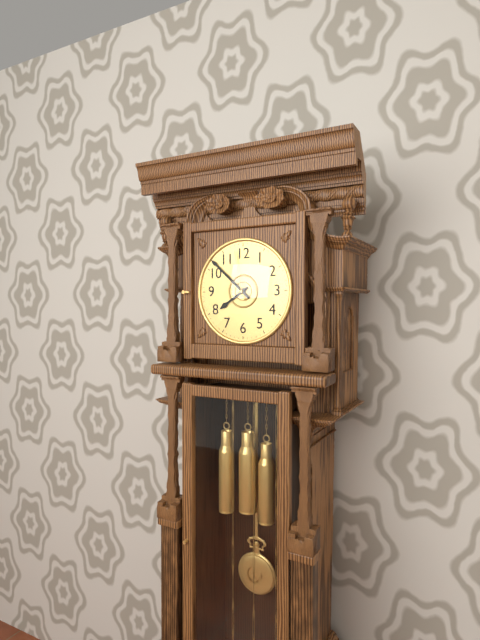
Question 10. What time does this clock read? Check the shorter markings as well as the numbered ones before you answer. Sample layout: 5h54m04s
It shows 7h52m58s
